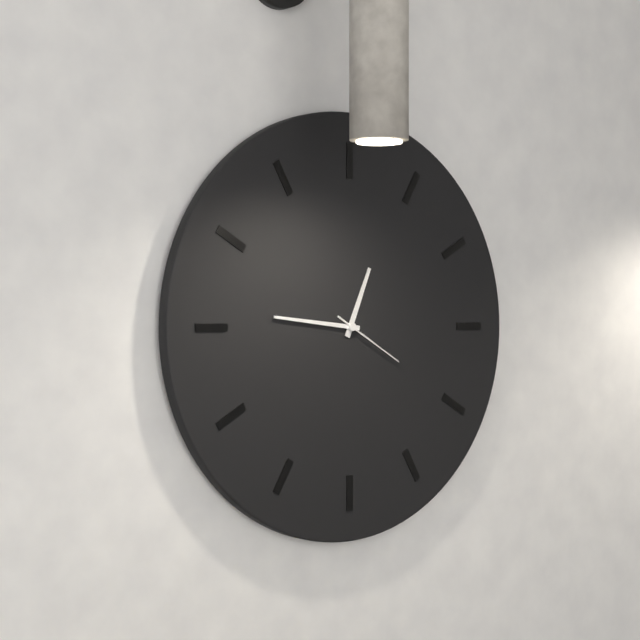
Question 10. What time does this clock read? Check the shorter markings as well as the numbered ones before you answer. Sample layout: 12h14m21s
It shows 12h46m20s
